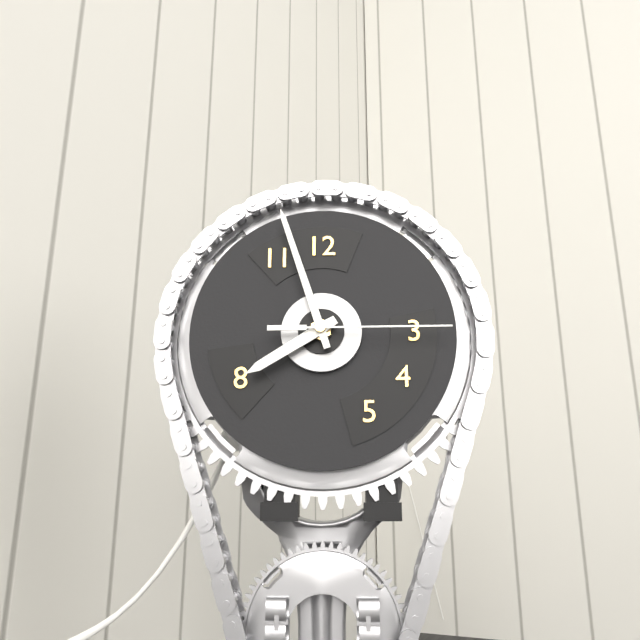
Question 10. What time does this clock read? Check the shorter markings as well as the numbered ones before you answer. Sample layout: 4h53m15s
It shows 7h57m15s
